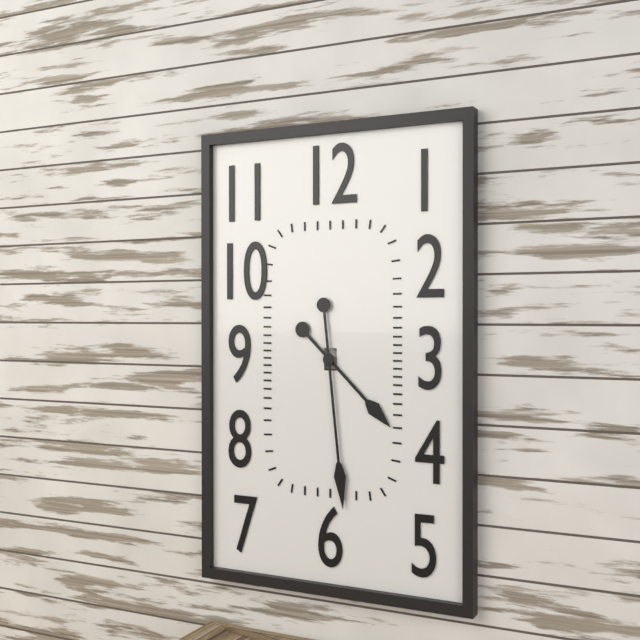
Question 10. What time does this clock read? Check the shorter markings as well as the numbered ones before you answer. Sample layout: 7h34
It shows 4h29
